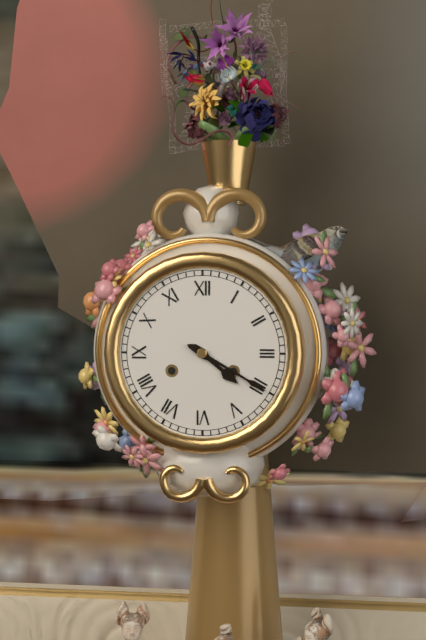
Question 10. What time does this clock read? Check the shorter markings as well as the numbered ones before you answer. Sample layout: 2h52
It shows 4h20
